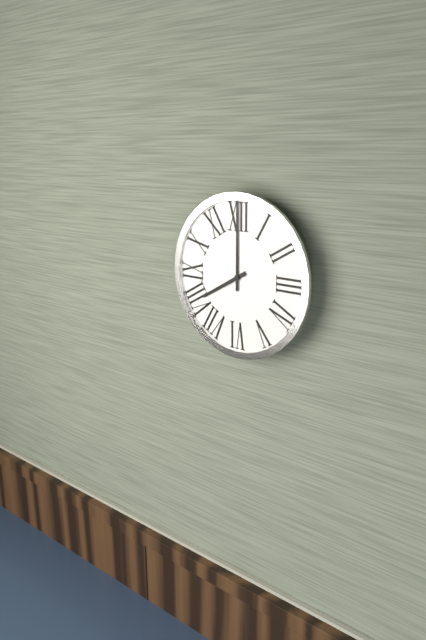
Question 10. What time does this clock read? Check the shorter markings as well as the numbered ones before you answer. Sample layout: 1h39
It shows 8h00
